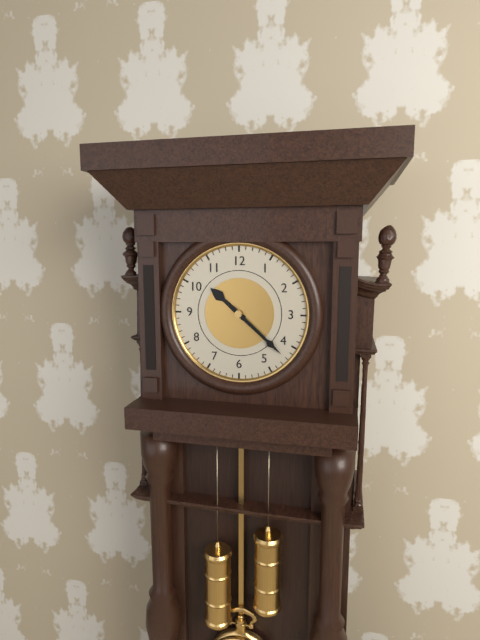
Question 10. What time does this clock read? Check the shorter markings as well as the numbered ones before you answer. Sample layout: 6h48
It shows 10h22
